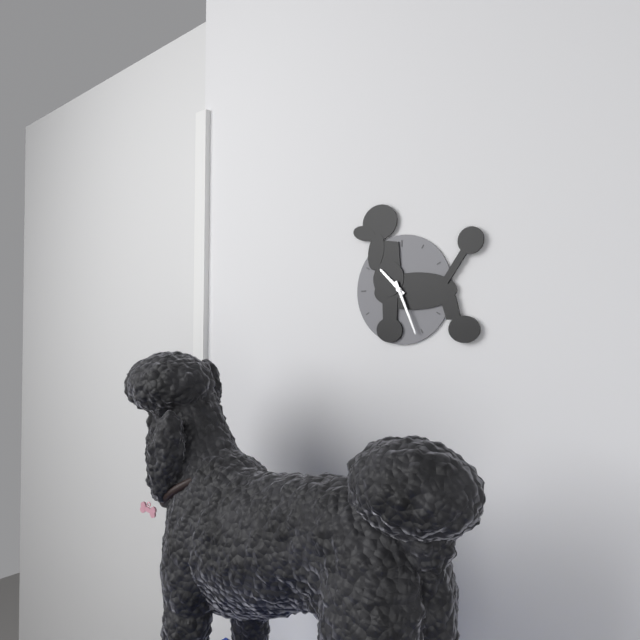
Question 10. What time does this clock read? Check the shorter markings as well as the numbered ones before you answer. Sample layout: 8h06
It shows 10h26
